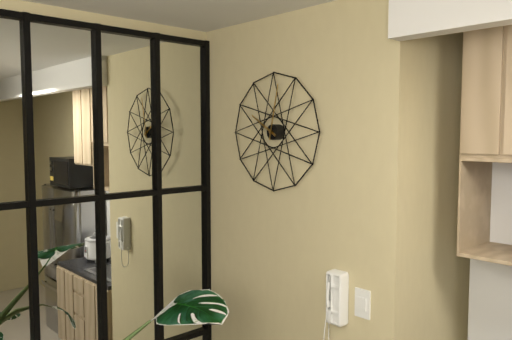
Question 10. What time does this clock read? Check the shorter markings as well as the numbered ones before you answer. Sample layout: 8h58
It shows 10h02
